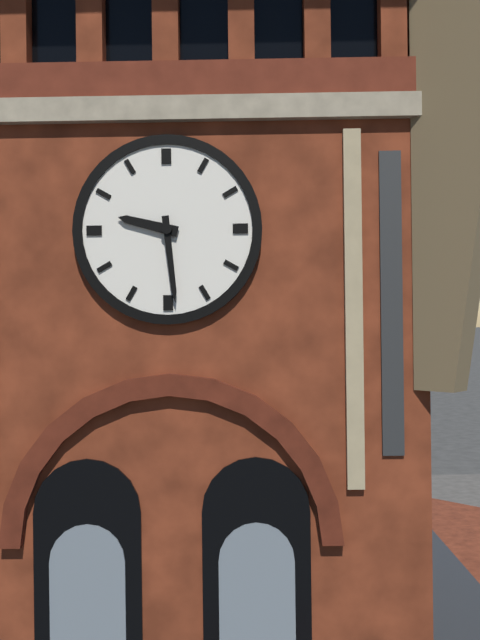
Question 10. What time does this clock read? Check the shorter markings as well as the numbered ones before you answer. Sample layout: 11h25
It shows 9h29
